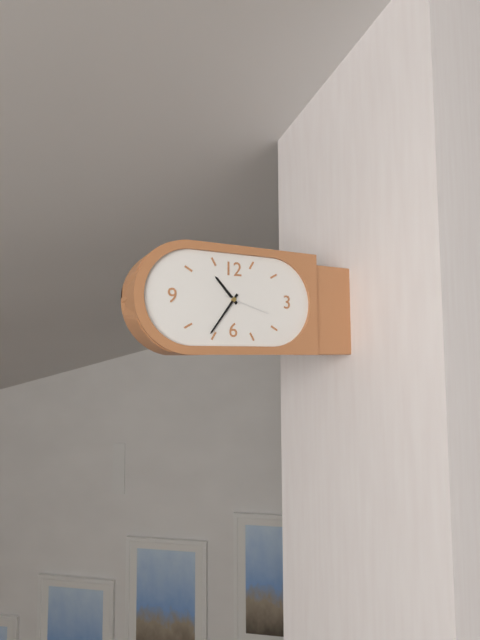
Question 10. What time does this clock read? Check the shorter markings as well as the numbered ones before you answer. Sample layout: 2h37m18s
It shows 10h36m18s
